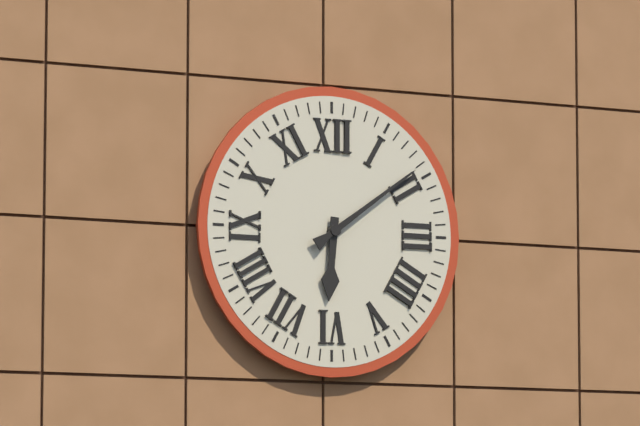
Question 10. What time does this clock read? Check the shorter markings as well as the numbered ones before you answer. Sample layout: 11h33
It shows 6h09
